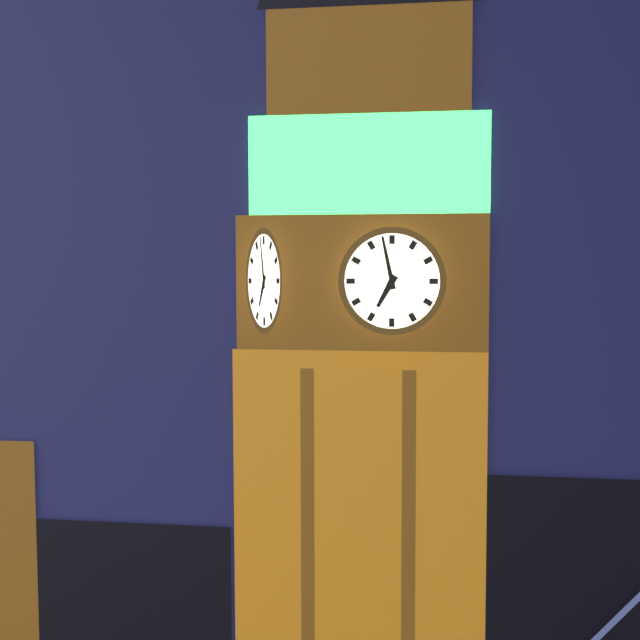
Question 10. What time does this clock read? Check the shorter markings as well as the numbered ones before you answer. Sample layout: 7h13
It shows 6h58
